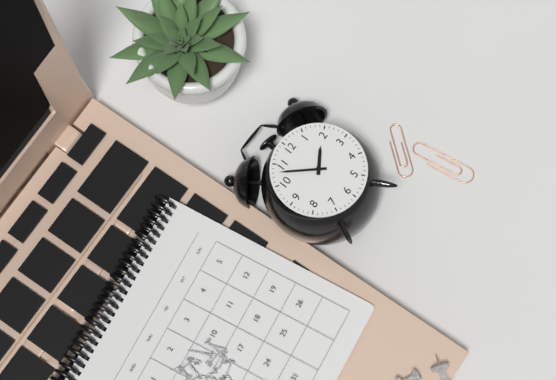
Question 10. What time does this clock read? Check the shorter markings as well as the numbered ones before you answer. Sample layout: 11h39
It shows 1h53
